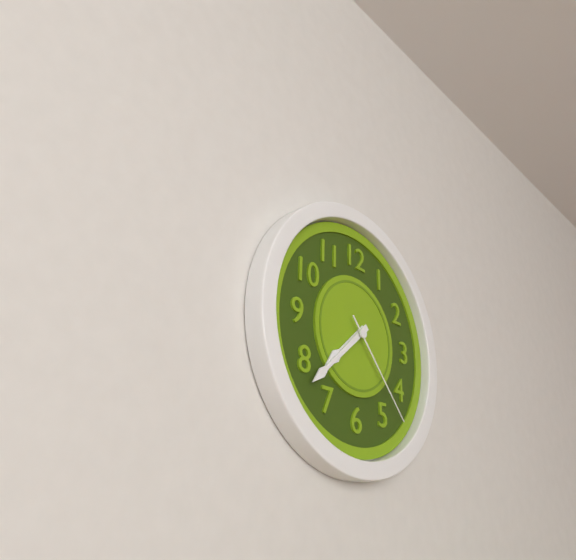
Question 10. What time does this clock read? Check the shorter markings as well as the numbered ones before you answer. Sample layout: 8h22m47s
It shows 7h38m23s
